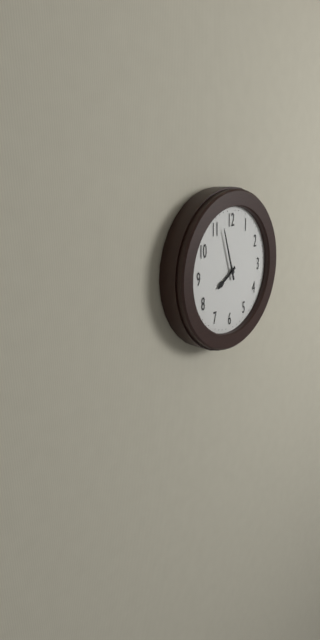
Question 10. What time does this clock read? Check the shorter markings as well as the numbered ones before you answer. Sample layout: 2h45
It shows 7h57
